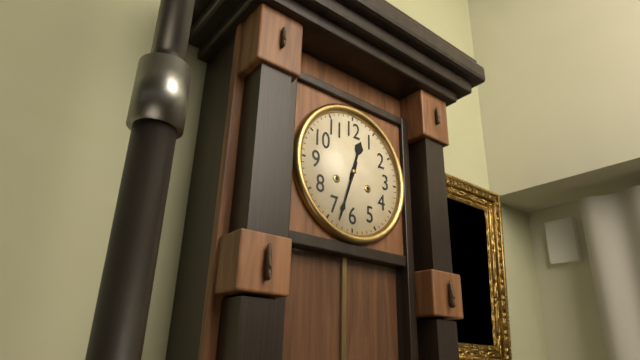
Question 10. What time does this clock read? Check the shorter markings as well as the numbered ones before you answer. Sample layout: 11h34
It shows 12h33
